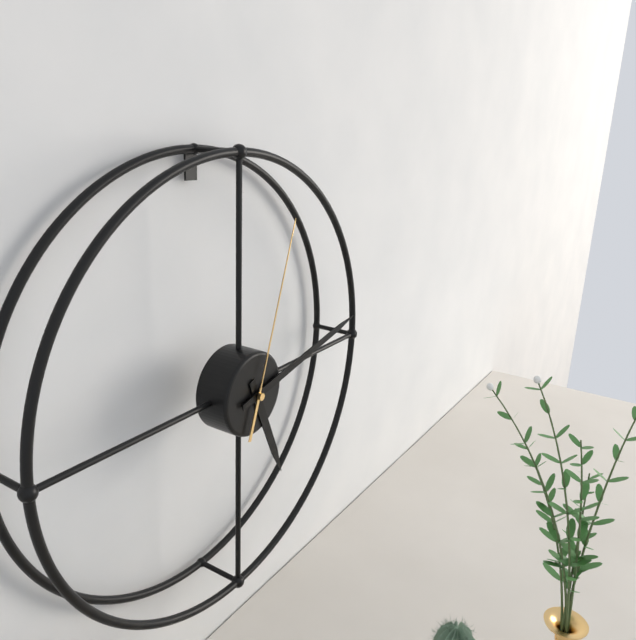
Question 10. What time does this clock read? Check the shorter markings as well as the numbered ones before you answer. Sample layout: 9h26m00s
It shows 5h13m03s
